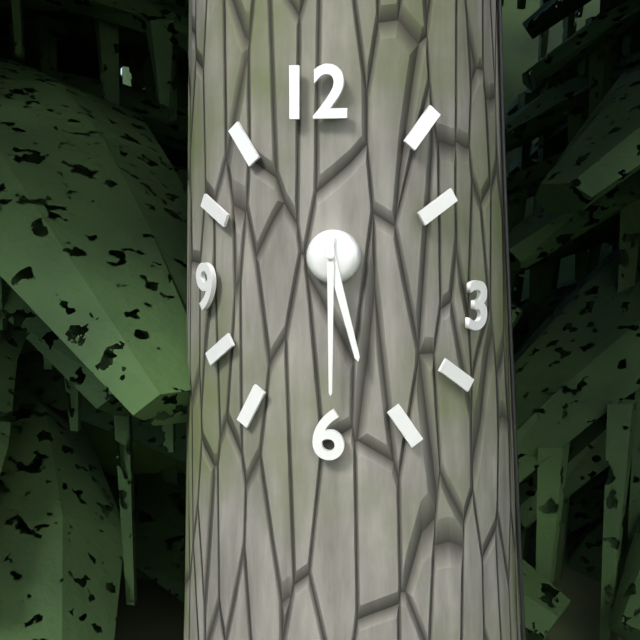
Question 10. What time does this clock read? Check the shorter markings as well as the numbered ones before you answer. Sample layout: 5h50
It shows 5h30
